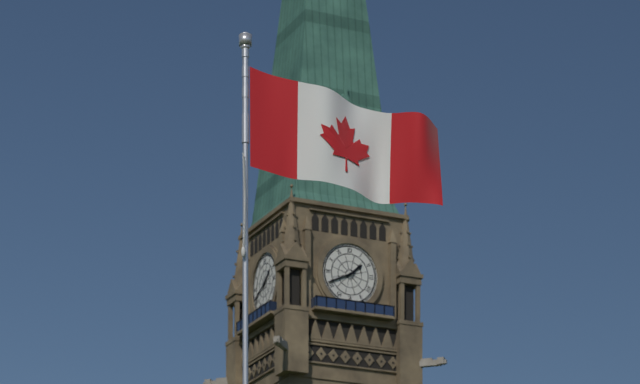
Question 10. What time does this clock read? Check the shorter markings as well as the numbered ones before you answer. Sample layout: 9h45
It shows 1h41
